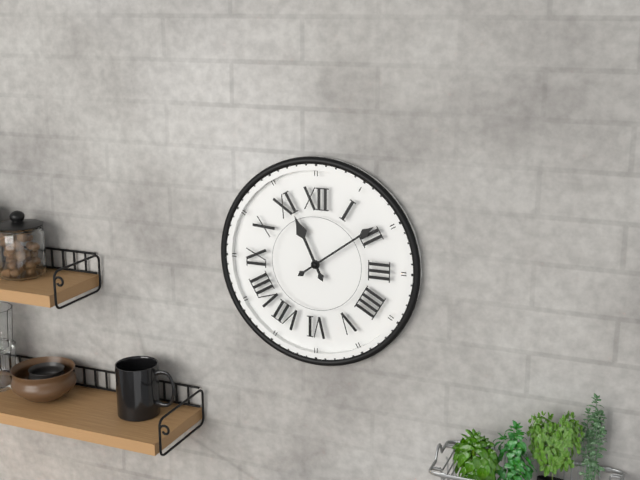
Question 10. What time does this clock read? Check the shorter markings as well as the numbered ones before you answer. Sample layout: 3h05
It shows 11h09
